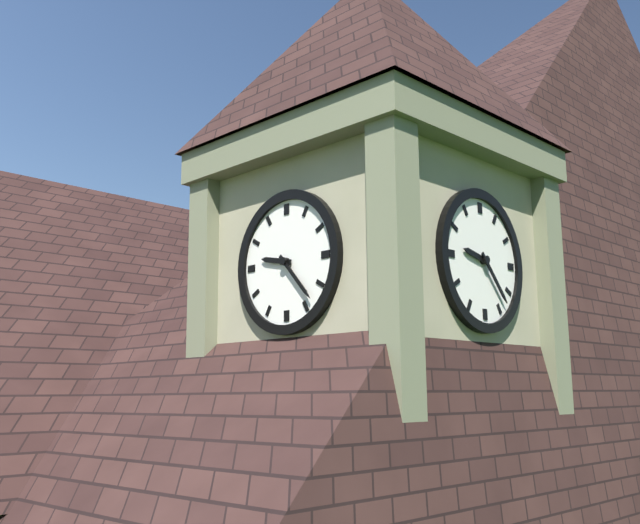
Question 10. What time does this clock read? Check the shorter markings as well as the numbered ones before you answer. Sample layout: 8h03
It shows 9h23
